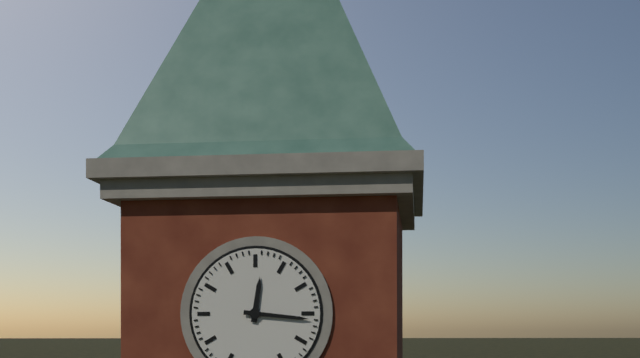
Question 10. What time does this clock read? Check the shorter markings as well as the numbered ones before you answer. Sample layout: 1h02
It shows 12h16
